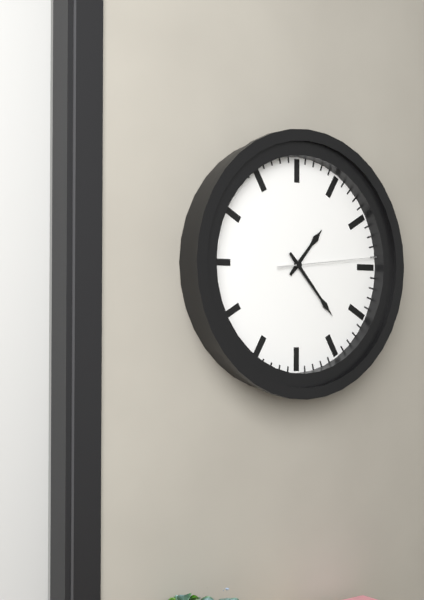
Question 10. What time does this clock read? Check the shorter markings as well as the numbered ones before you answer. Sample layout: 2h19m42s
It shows 1h23m14s
